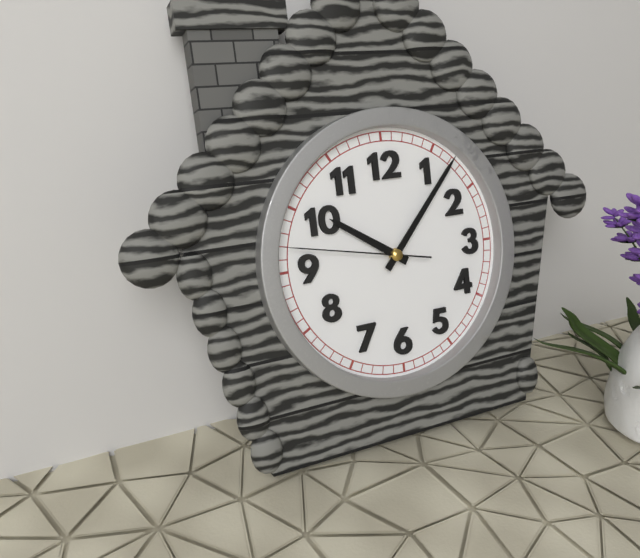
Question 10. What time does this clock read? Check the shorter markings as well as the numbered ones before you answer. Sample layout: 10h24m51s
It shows 10h07m47s
